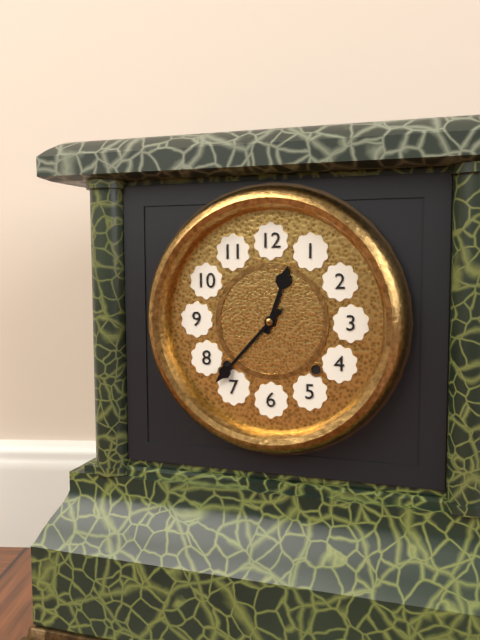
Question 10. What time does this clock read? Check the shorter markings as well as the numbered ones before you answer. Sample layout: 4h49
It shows 12h37
